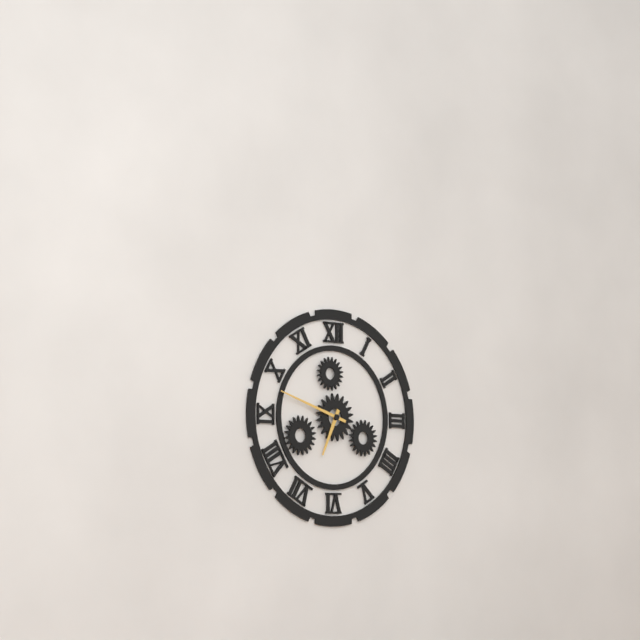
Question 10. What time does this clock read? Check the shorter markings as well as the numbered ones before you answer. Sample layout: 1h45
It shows 6h48
